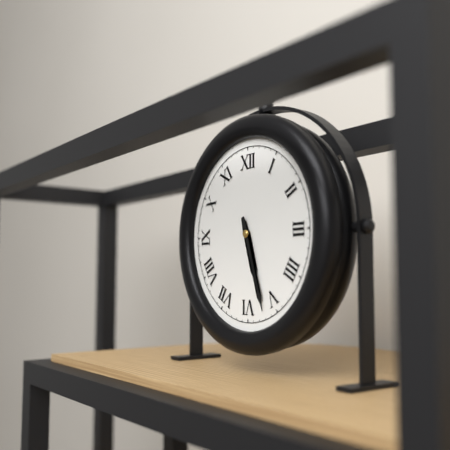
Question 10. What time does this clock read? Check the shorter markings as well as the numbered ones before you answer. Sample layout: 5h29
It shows 5h27
